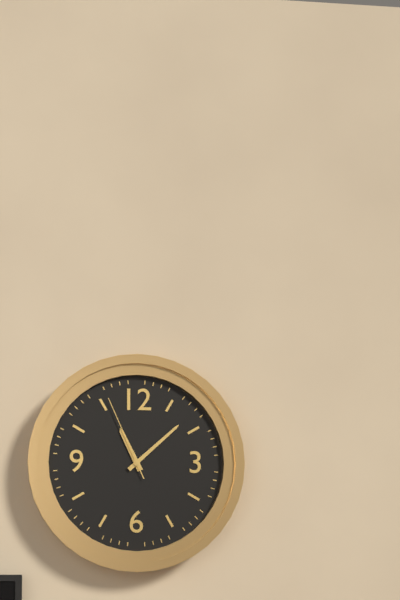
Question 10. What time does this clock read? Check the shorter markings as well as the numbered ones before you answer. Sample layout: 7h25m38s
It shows 11h08m56s
